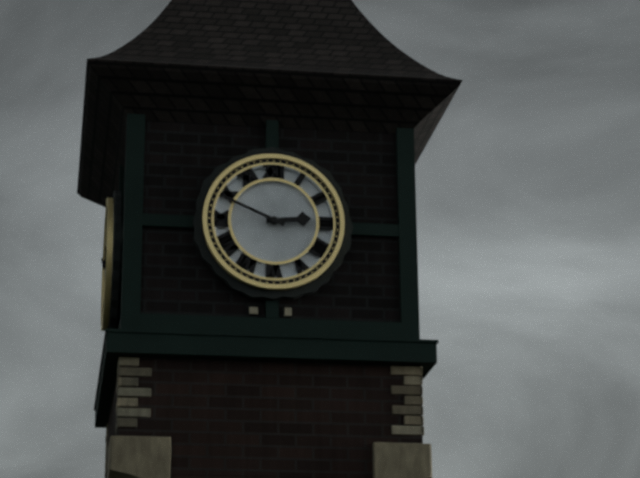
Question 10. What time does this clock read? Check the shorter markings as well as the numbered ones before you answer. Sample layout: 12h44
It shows 2h49
